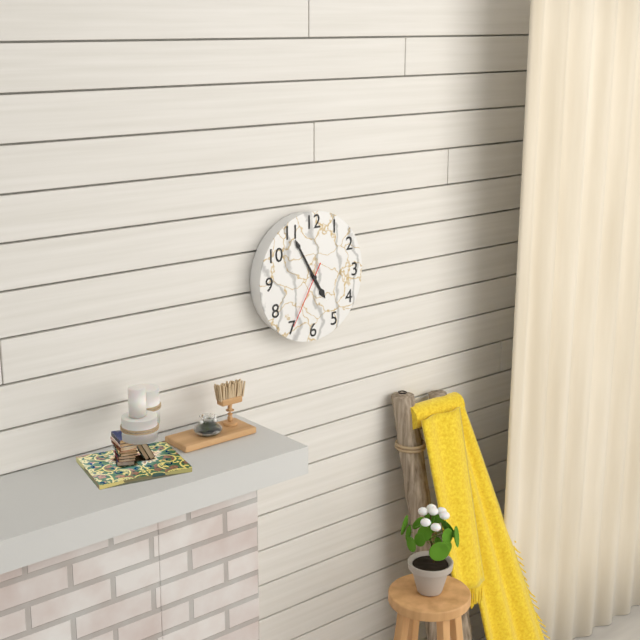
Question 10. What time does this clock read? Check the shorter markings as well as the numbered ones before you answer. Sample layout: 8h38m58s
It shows 4h55m35s
